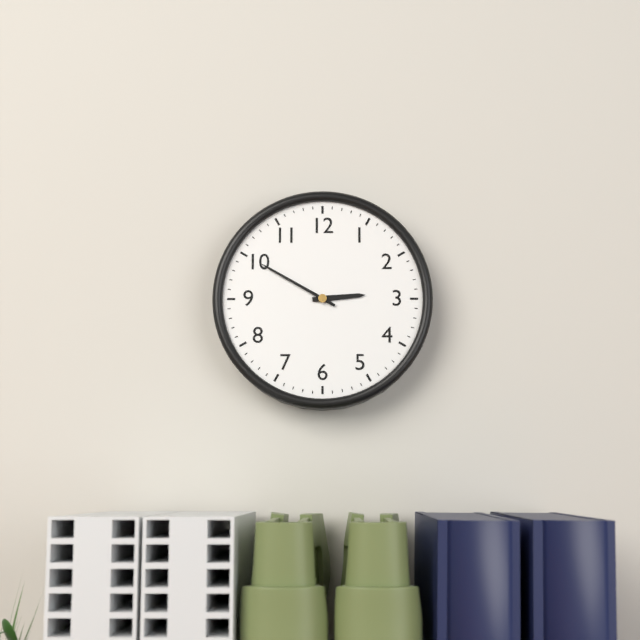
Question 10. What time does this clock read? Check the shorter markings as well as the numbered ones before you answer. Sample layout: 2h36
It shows 2h50
